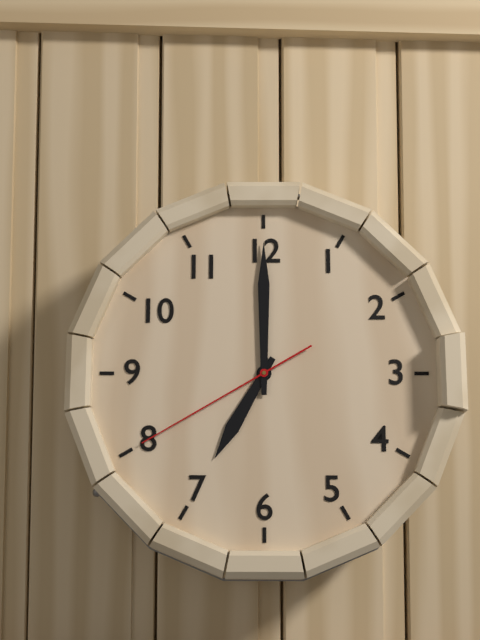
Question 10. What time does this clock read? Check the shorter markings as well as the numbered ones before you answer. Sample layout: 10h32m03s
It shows 7h00m40s
